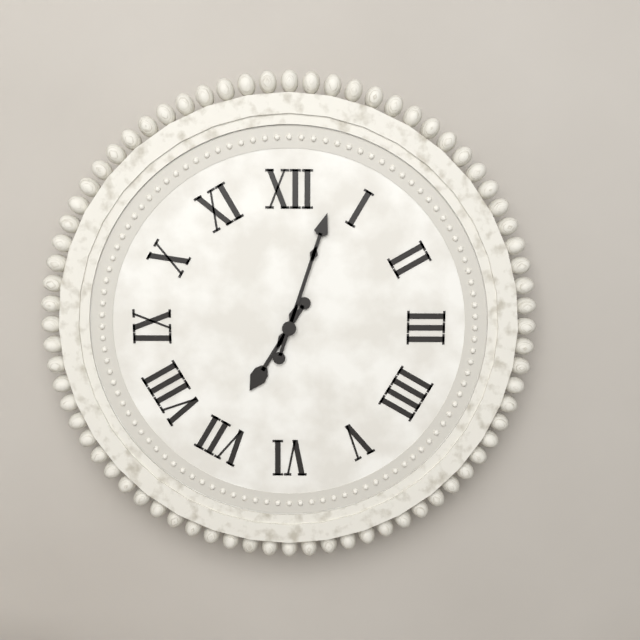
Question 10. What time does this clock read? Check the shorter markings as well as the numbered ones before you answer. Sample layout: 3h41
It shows 7h03
